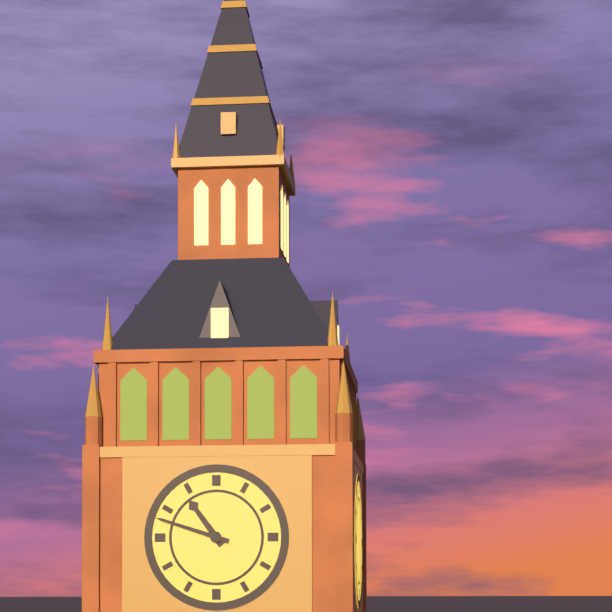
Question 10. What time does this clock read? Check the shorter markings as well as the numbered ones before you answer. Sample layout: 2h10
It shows 10h48
